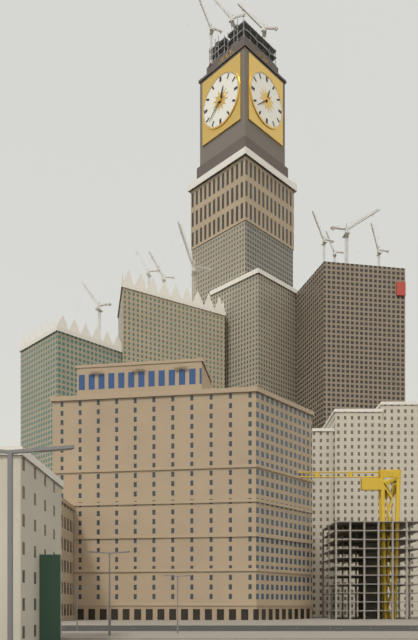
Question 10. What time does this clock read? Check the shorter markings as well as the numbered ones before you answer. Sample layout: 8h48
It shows 12h38
